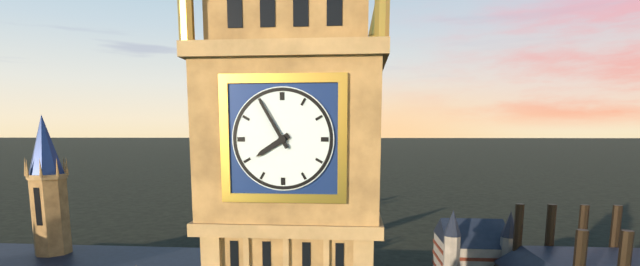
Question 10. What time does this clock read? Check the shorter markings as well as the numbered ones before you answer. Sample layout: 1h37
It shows 7h55
